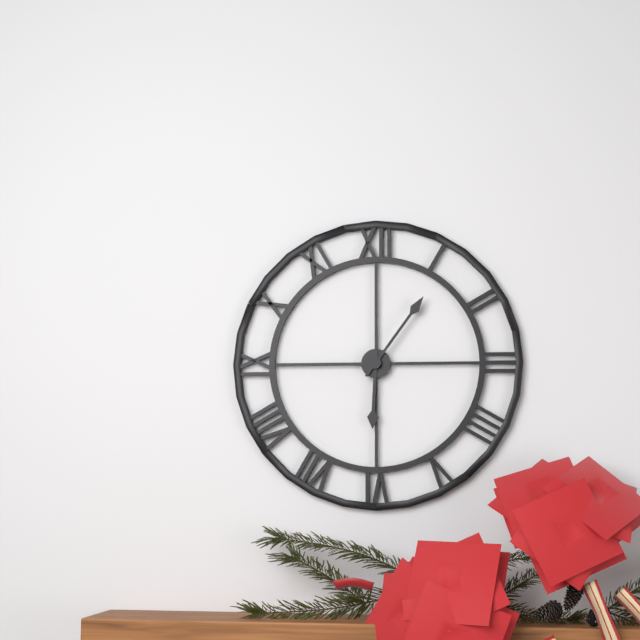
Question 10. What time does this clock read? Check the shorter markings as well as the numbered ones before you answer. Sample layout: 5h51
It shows 6h06
